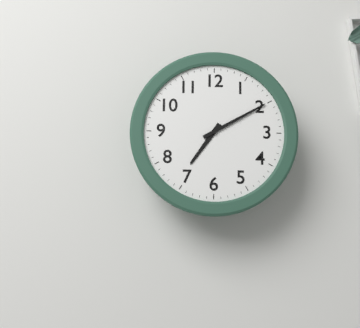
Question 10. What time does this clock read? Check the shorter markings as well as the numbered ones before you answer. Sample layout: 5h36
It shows 7h10
